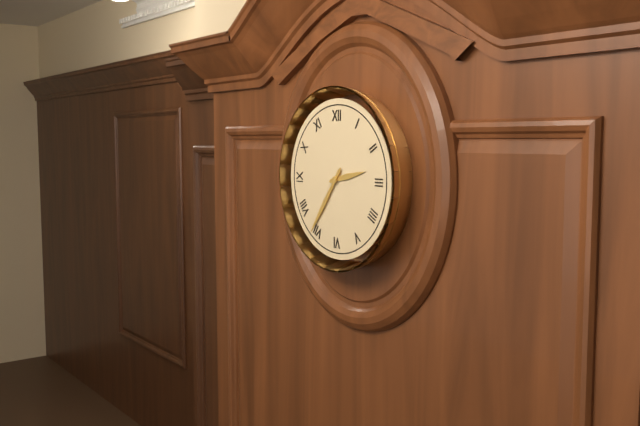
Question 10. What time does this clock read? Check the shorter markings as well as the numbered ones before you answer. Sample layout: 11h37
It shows 2h36
